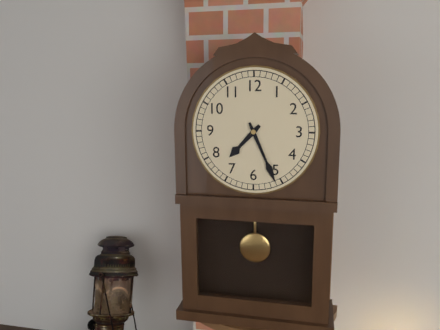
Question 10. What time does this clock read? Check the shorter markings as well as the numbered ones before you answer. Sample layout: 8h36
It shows 7h26
